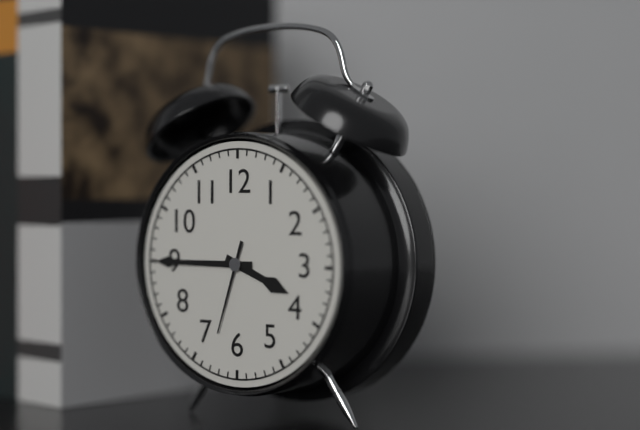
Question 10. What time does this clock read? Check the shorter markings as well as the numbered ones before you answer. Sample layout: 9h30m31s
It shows 3h45m33s
